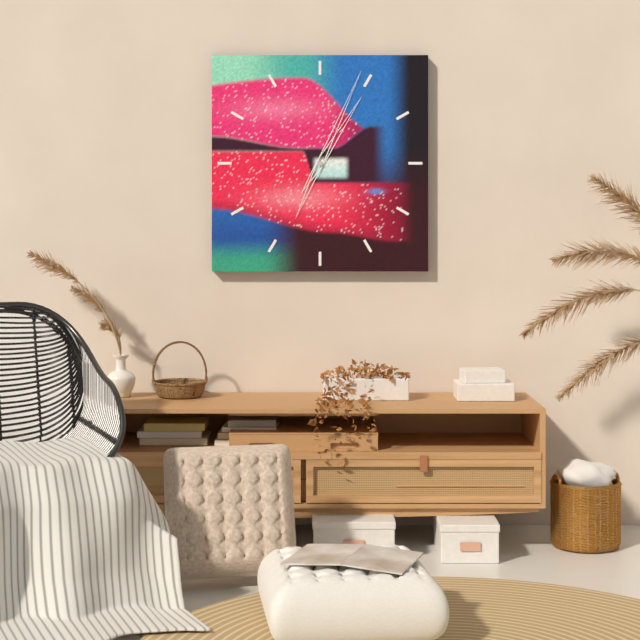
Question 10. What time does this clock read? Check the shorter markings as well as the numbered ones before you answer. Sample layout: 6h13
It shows 1h04
